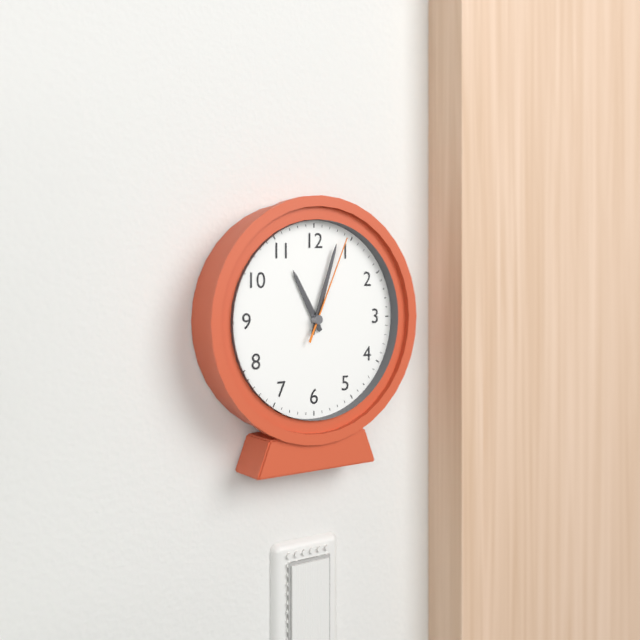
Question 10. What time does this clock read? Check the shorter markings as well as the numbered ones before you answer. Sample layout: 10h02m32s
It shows 11h03m04s
